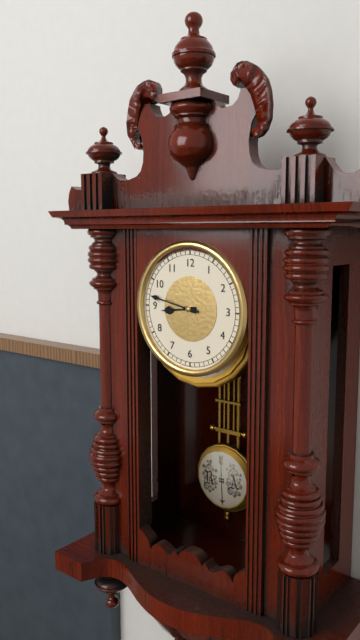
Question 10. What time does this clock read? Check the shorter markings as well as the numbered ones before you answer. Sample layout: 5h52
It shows 8h47
